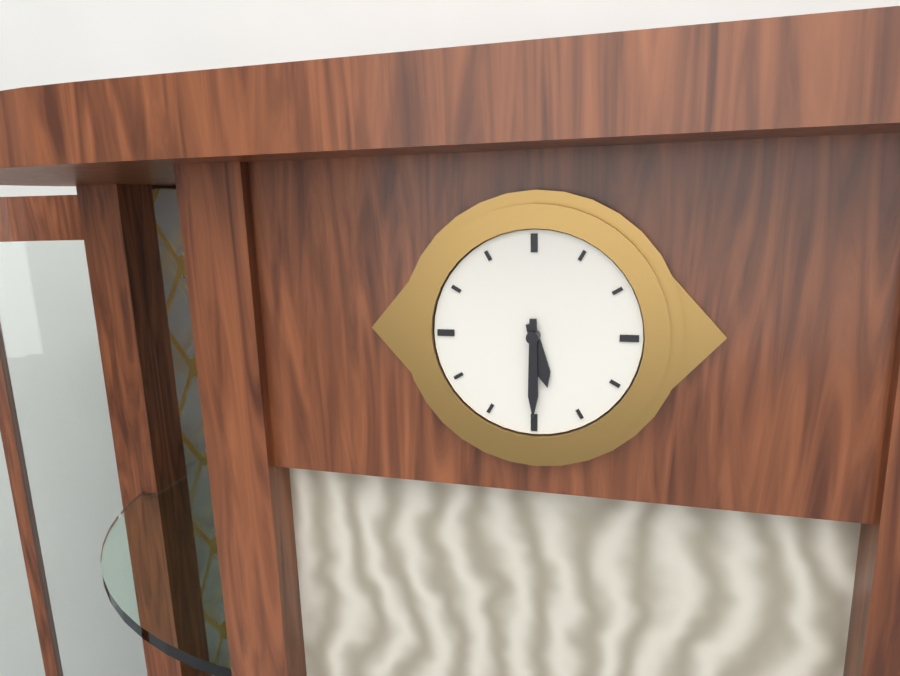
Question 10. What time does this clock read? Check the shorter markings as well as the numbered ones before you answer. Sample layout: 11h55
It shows 5h30
